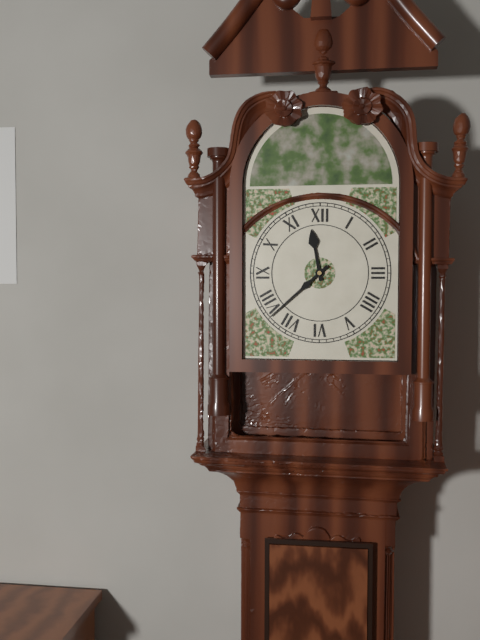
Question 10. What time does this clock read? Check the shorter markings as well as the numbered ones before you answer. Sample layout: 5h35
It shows 11h38
